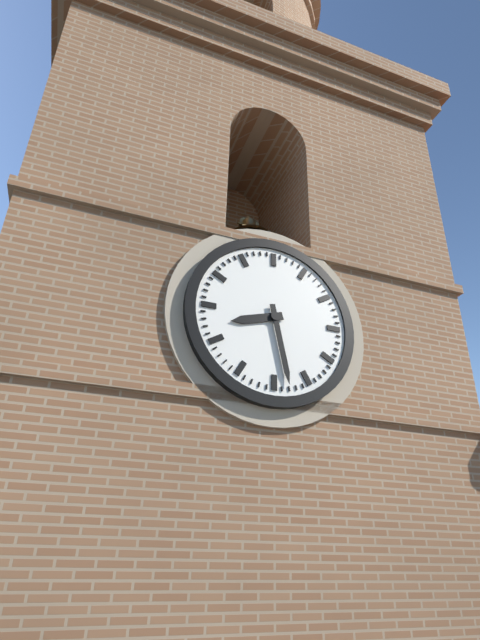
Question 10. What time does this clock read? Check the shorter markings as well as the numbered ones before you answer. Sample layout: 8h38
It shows 8h28
